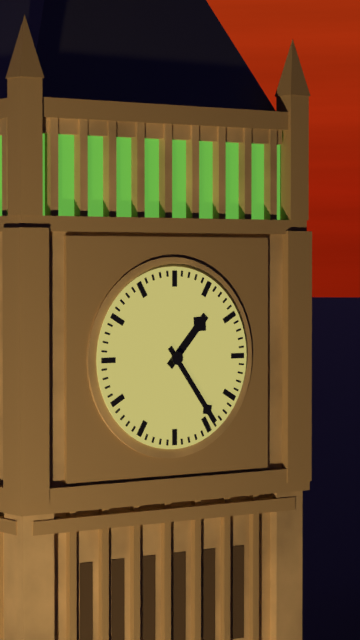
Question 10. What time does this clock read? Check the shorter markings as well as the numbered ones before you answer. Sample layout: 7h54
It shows 1h24
